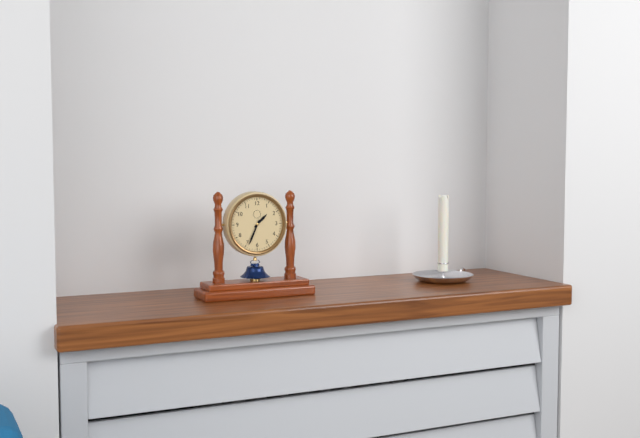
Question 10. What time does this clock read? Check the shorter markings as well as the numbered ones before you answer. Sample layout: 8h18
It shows 1h34
